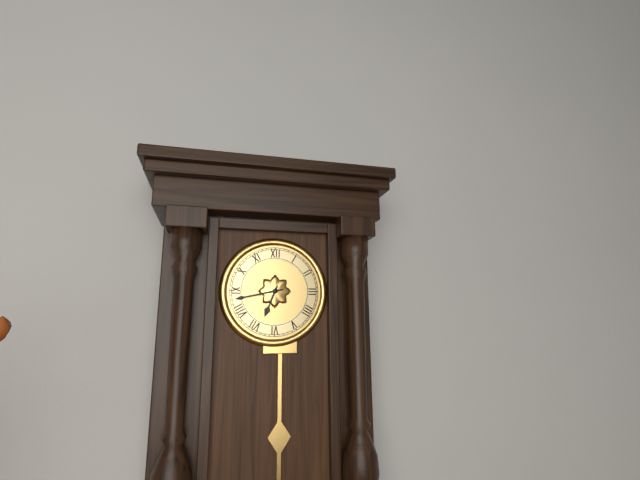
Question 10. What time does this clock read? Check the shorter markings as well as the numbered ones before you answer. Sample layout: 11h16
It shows 6h43
